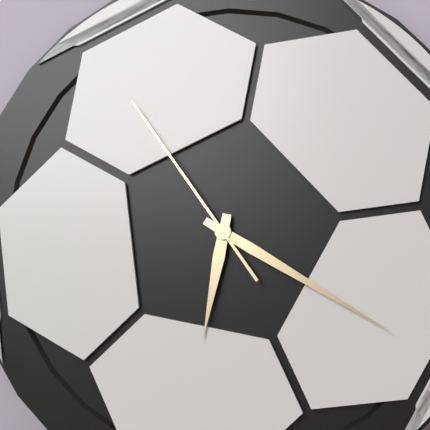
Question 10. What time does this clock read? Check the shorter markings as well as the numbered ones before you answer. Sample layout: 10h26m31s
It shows 6h20m54s
